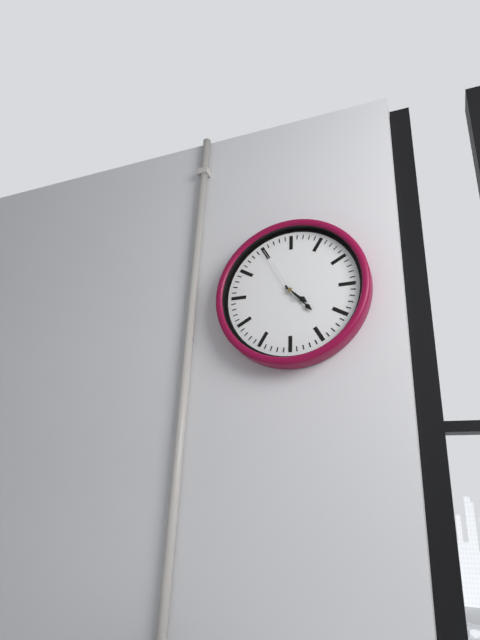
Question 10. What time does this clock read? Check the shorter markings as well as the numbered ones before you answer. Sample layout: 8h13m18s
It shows 4h23m55s
